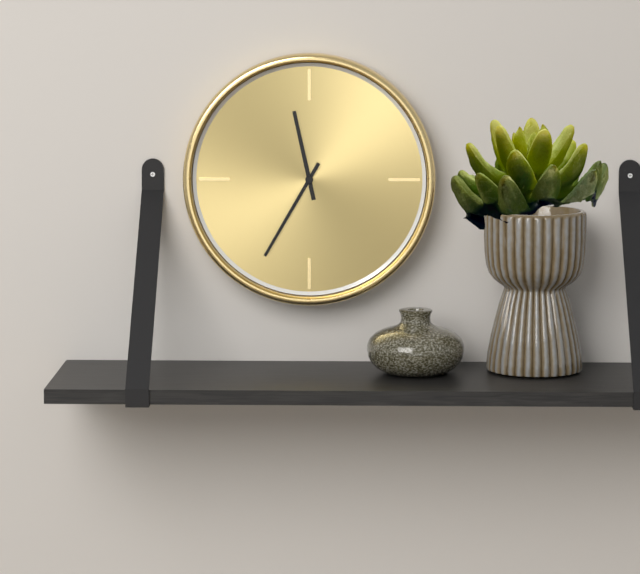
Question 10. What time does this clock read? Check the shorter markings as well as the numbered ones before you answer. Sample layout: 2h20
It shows 11h35
